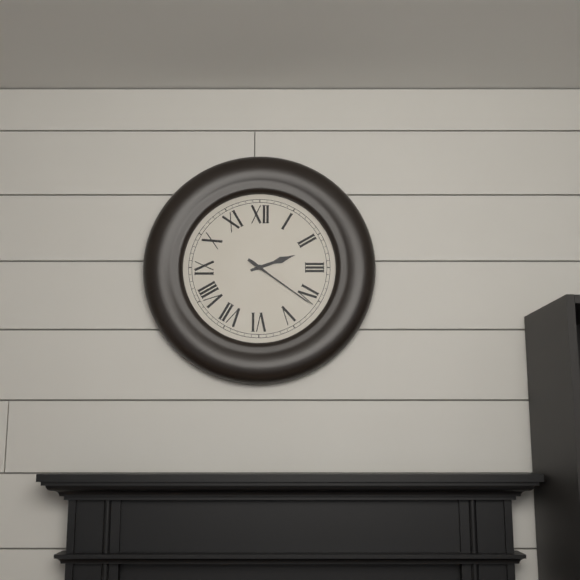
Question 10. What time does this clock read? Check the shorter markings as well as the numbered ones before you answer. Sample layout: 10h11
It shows 2h21
